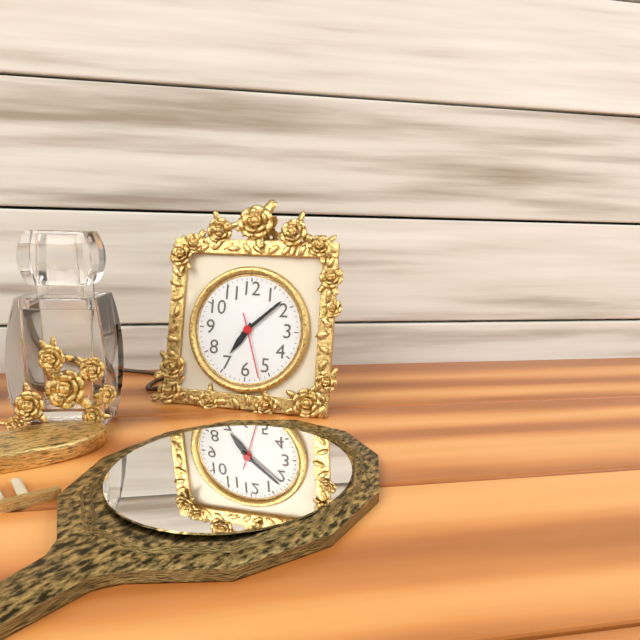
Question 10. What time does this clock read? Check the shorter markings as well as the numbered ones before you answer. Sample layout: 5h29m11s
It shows 7h08m27s
